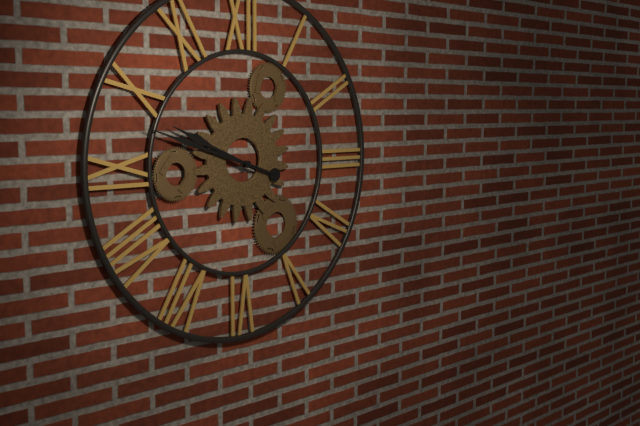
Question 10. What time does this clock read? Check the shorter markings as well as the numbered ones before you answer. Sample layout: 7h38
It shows 9h48
